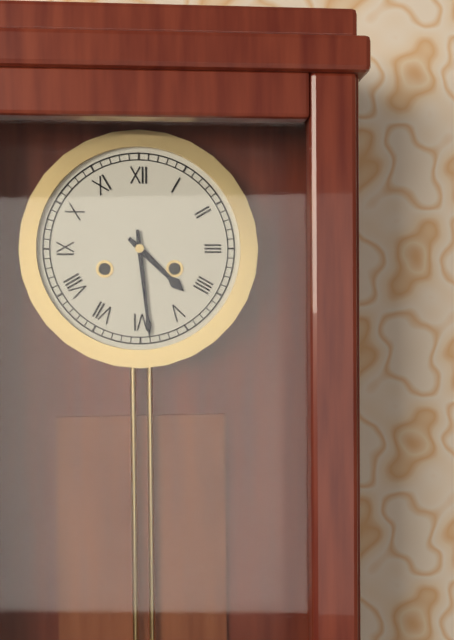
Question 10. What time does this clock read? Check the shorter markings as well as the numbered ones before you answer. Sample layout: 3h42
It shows 4h29
